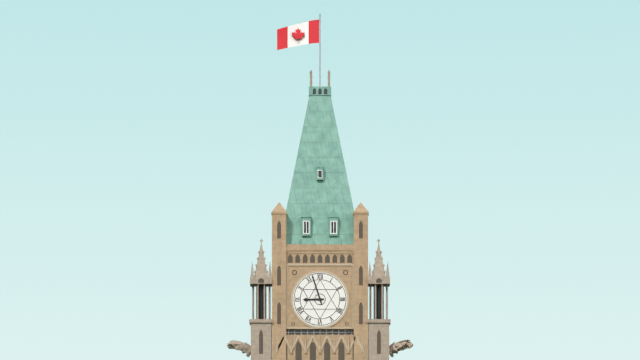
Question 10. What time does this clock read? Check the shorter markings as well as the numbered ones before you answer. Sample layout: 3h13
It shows 8h57
